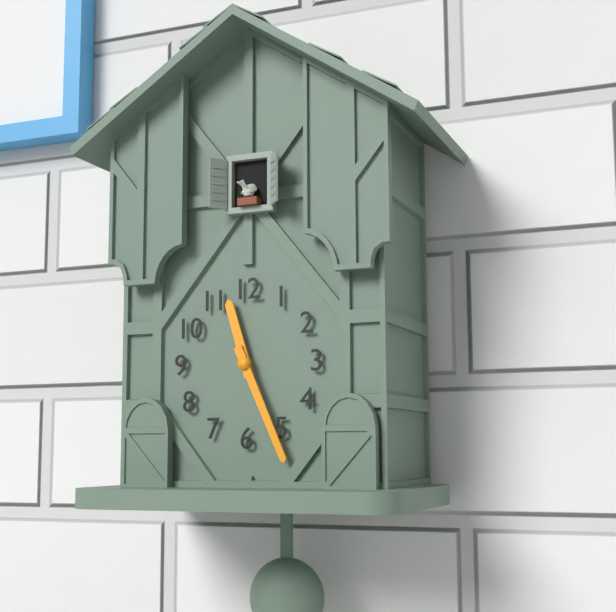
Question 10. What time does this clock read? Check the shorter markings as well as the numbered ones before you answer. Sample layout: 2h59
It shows 11h26
